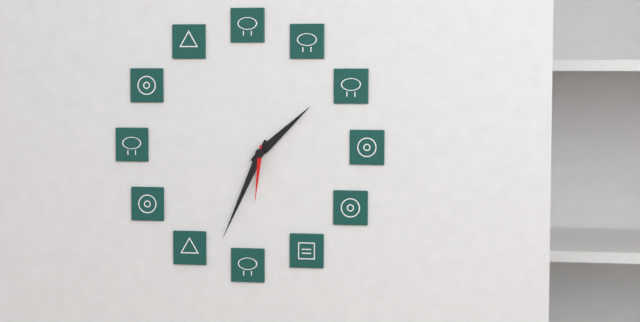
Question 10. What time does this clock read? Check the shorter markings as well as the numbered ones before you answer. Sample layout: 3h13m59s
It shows 1h34m31s
